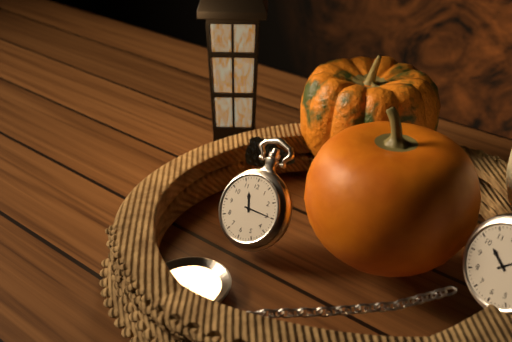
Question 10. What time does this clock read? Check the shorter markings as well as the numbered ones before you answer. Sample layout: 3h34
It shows 11h15
